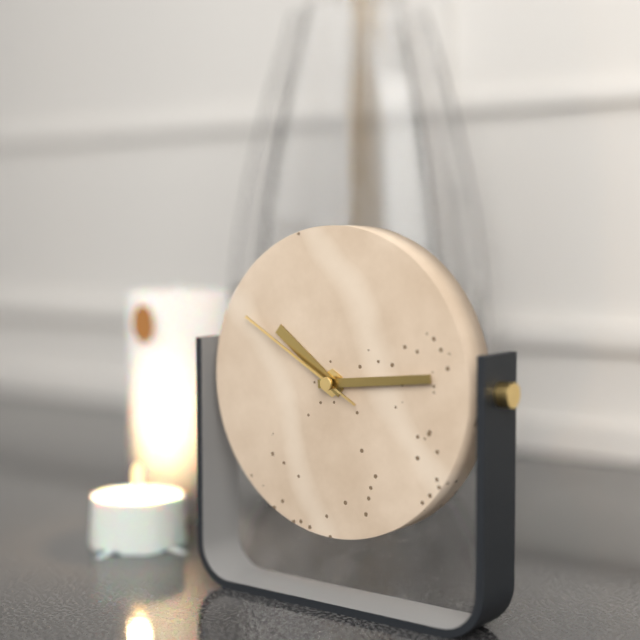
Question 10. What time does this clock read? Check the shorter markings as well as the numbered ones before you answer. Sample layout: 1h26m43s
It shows 10h14m50s
